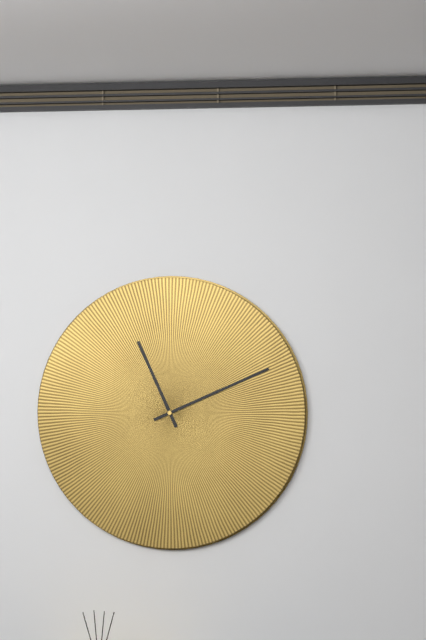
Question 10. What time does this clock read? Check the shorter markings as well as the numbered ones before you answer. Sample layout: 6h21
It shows 11h11
